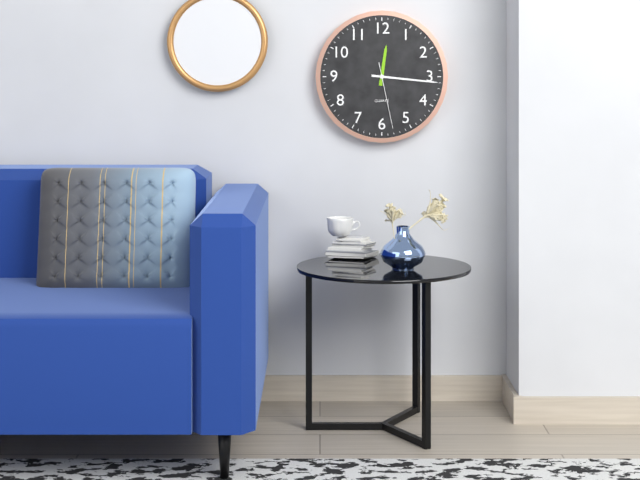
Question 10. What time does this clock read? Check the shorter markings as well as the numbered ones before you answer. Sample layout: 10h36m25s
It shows 12h16m28s
